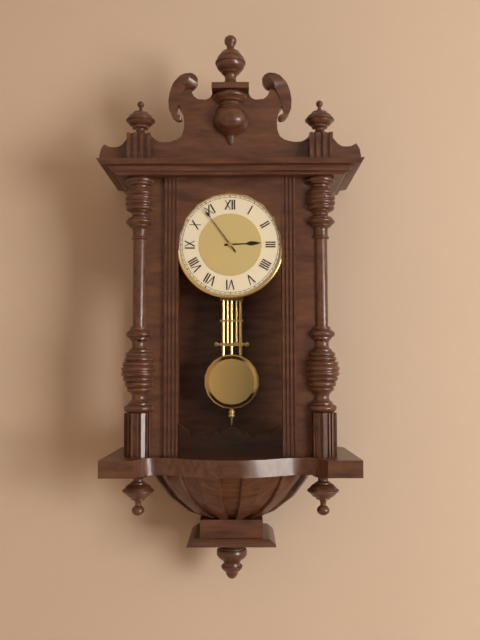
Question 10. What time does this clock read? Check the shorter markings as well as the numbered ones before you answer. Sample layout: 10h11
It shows 2h54
